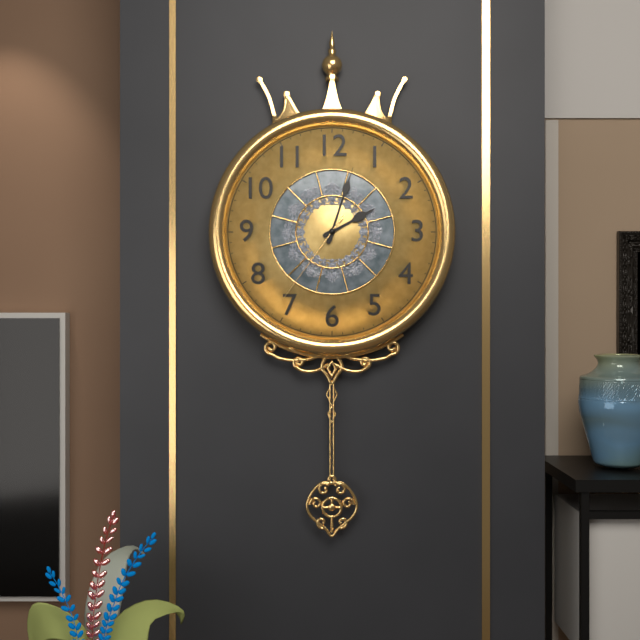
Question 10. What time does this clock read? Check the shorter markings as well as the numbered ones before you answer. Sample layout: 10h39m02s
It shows 2h03m36s
